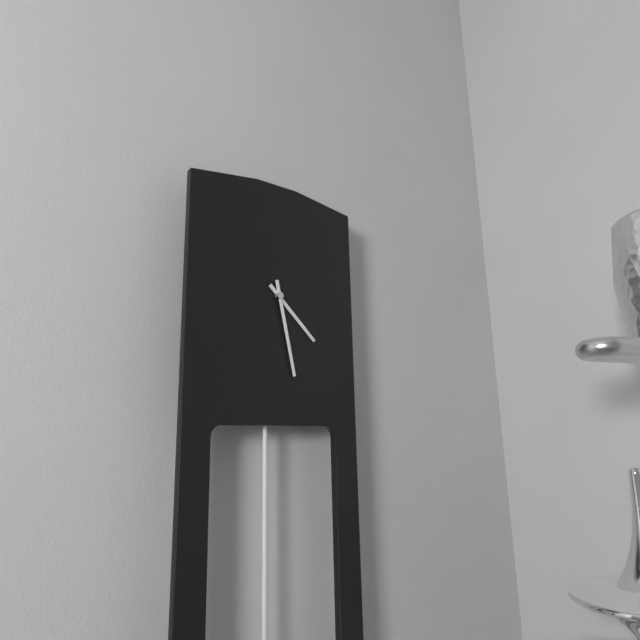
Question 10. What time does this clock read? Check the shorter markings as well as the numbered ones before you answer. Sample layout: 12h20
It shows 4h28
